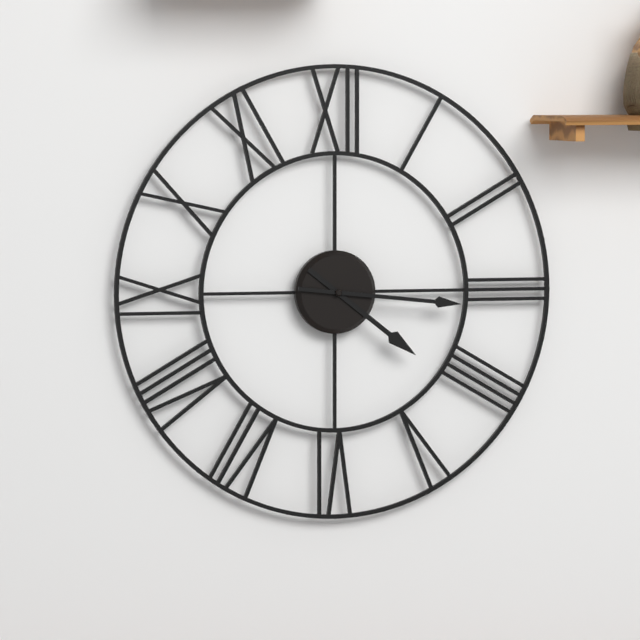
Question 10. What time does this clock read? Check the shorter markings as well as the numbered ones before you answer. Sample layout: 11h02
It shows 4h16
